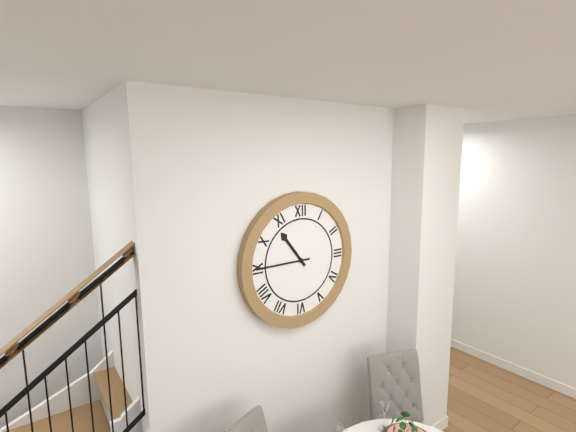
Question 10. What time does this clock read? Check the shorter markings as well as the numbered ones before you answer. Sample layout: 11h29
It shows 10h45
